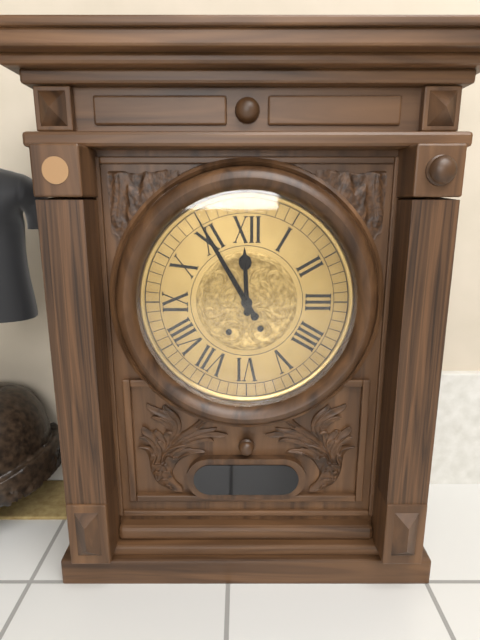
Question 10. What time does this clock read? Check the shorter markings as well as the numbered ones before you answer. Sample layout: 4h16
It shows 11h55
